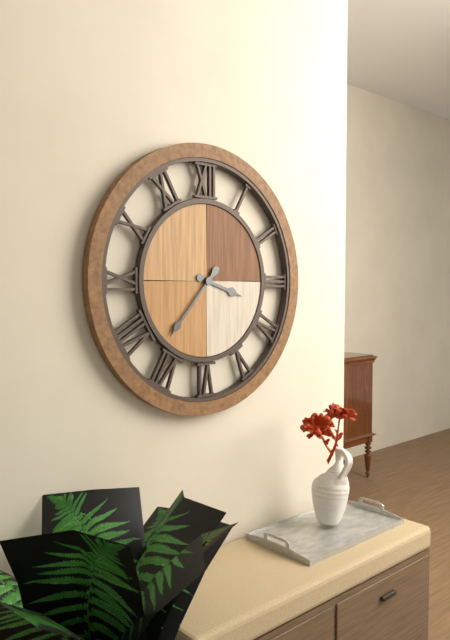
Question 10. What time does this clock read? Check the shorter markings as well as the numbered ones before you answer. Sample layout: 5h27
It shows 3h37
